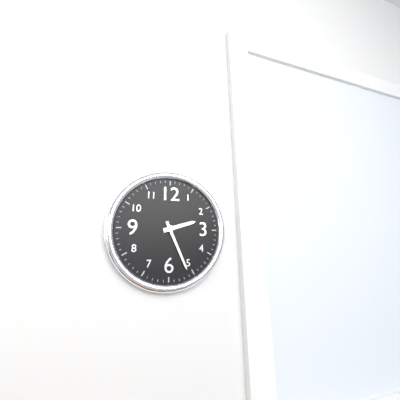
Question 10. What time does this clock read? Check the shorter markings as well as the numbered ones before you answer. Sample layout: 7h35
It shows 2h26
